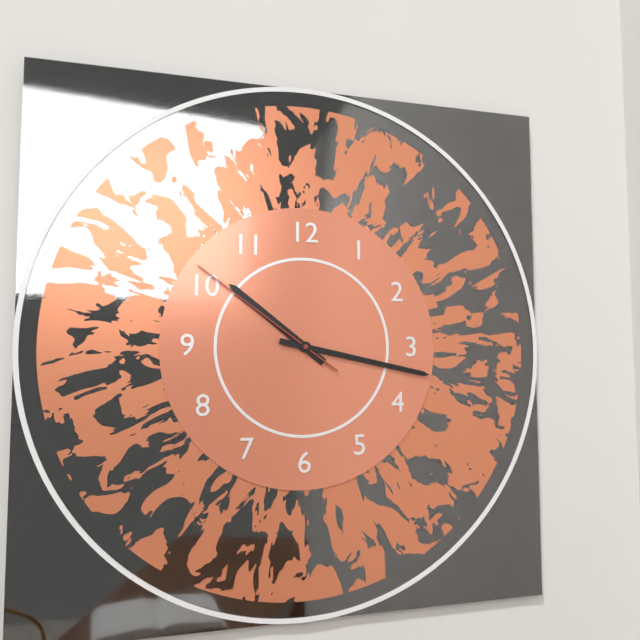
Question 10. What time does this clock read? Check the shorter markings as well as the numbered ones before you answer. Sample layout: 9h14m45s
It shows 10h17m51s
